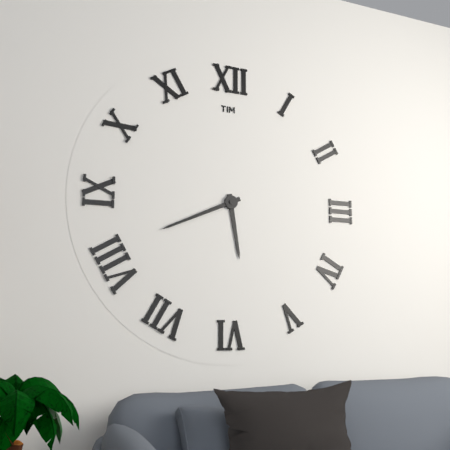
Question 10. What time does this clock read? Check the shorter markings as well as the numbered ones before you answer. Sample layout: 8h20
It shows 5h41
